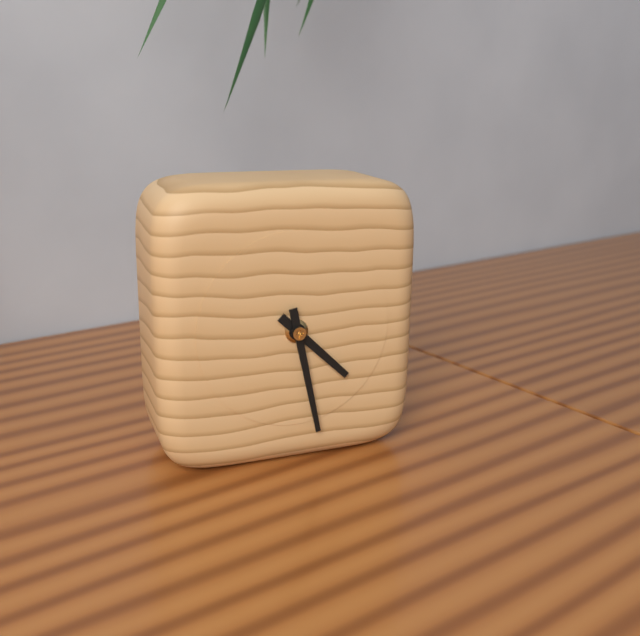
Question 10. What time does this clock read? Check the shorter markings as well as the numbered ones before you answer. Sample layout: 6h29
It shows 4h28
